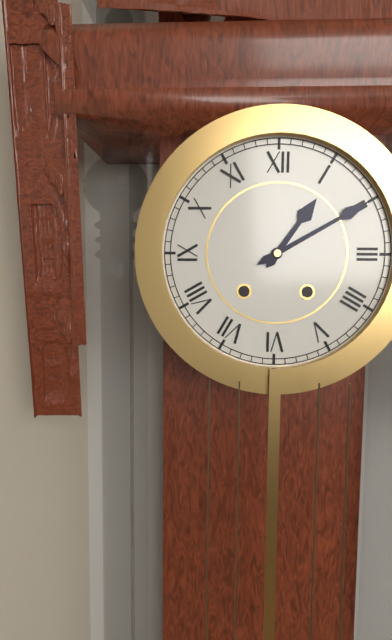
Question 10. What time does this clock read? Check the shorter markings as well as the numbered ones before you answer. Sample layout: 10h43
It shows 1h10
